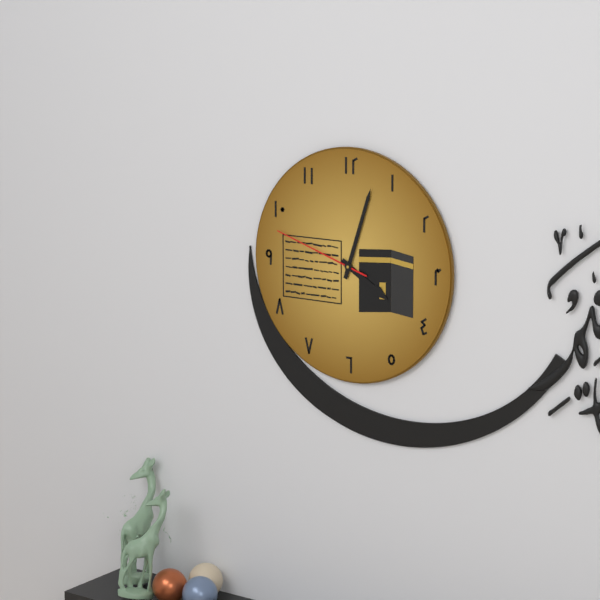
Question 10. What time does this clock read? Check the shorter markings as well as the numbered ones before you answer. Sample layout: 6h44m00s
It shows 4h03m48s
